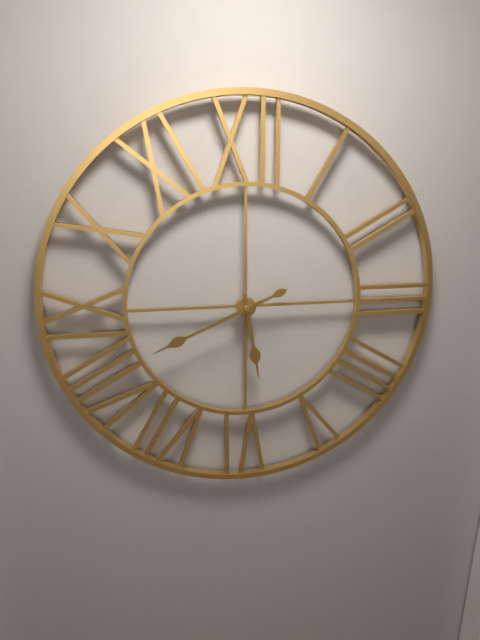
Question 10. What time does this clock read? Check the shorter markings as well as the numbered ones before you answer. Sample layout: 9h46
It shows 5h41
